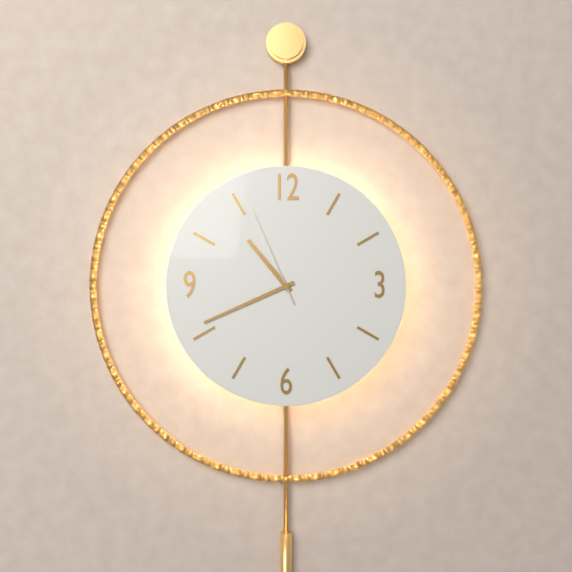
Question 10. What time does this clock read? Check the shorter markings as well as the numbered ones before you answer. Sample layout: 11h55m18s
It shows 10h41m56s
